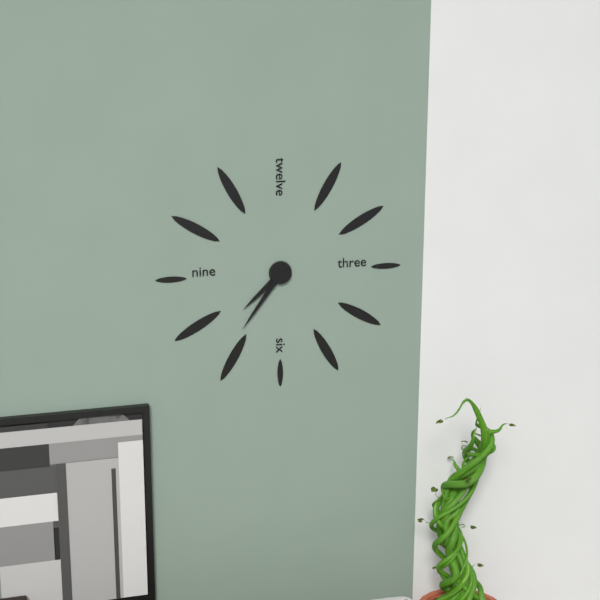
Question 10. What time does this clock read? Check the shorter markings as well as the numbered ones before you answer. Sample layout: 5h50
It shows 7h36
